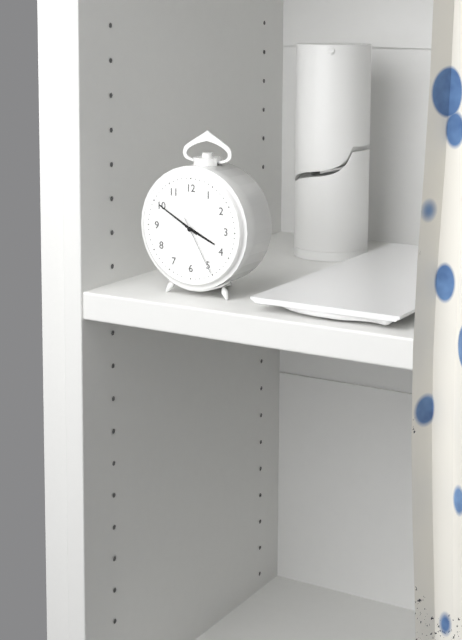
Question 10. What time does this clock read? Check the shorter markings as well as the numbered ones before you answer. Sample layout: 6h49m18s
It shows 3h50m25s
